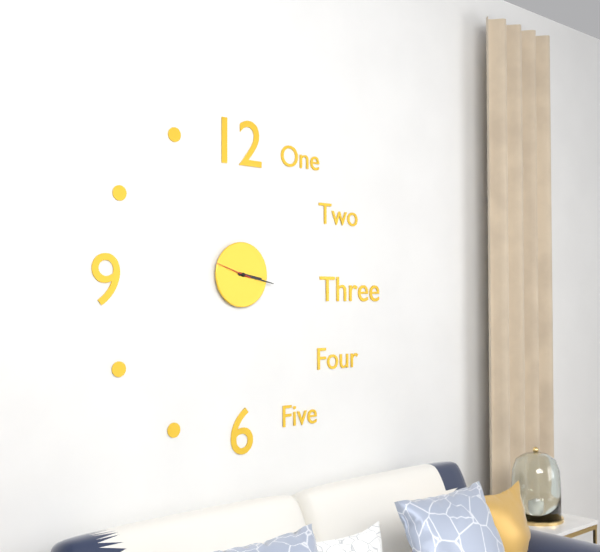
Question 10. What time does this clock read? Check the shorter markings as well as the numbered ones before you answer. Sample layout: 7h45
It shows 3h17
